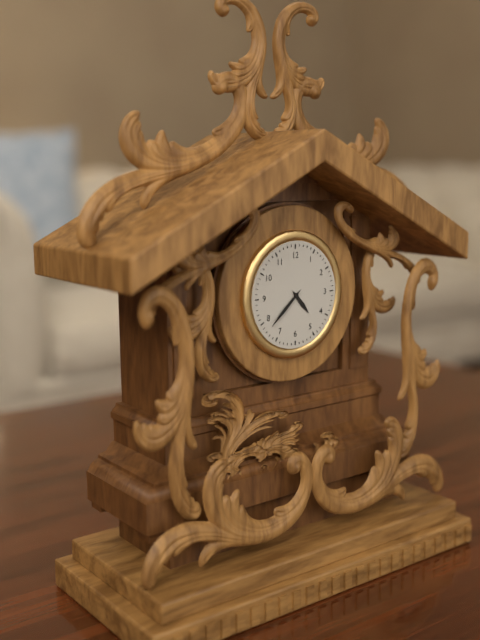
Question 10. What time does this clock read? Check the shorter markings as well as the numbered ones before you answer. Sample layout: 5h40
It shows 4h38
